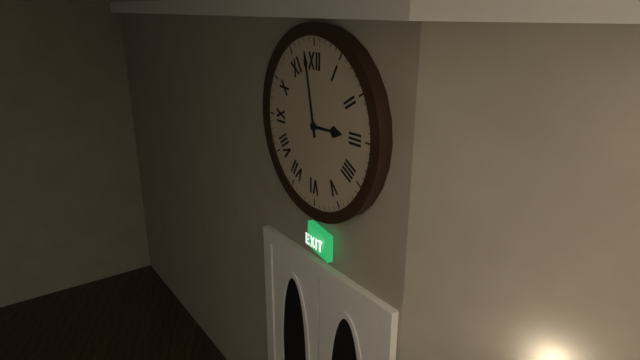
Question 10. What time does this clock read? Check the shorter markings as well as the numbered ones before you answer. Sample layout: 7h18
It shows 2h58
